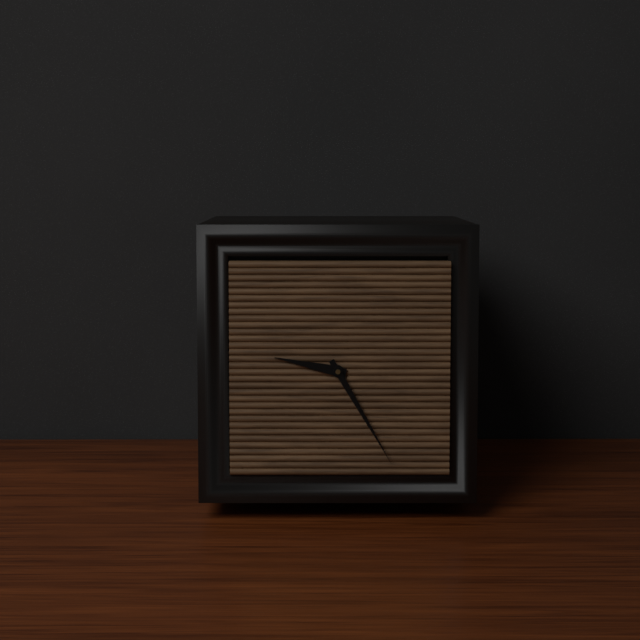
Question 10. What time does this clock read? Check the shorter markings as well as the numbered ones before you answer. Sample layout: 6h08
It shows 9h25
